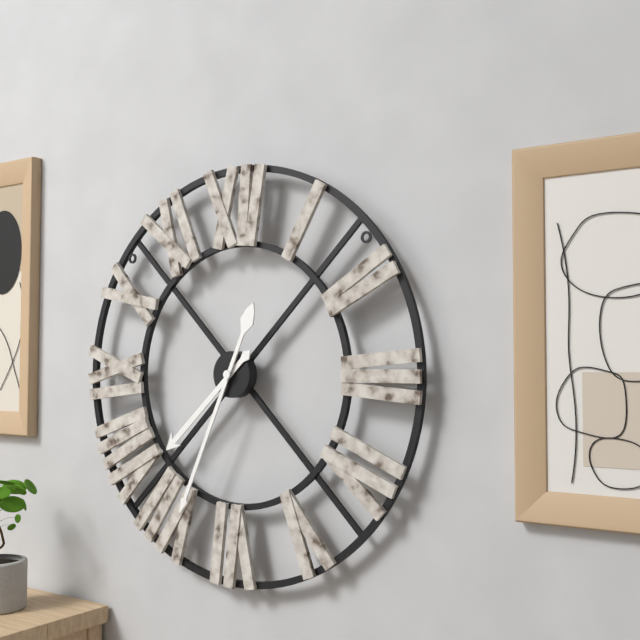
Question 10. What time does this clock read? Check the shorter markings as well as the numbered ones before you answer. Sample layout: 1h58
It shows 7h34
